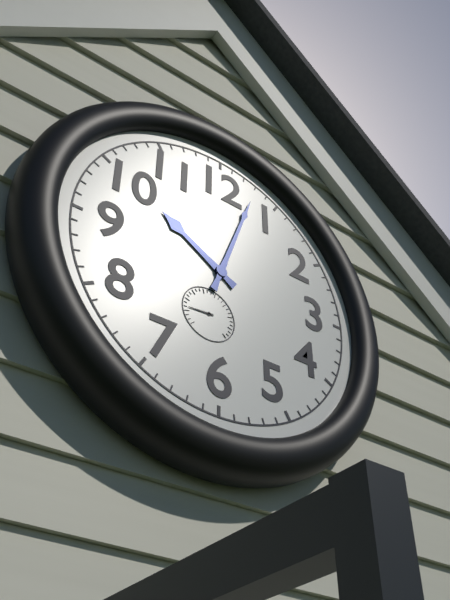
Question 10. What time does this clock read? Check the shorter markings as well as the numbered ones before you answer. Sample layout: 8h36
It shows 10h03
